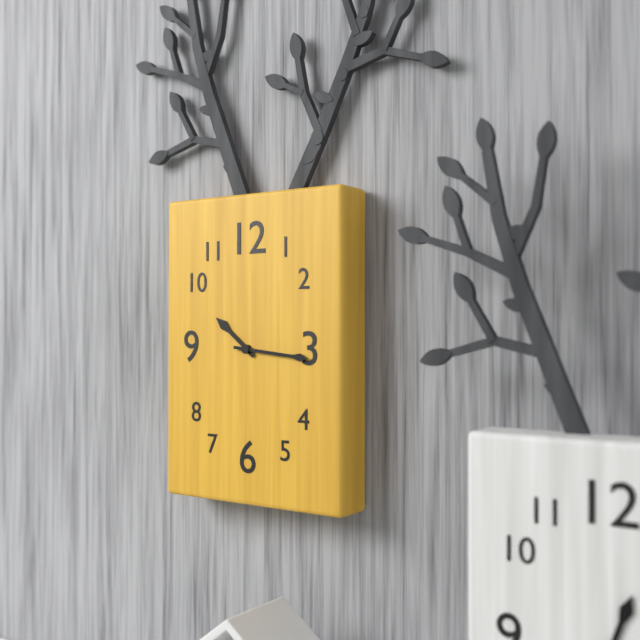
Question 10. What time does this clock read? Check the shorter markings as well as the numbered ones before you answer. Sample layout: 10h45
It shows 10h16
